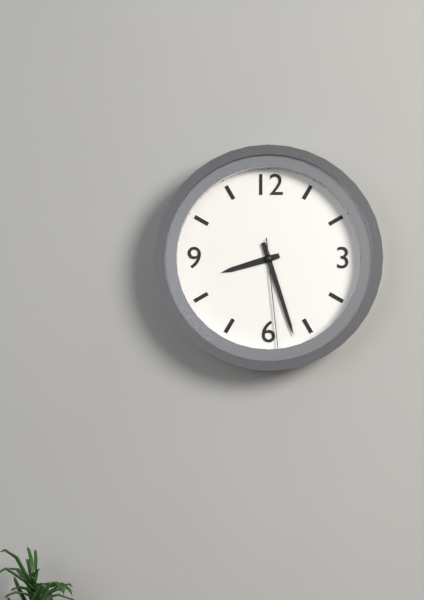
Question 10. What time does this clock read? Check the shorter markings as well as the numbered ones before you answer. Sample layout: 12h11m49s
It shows 8h27m29s
